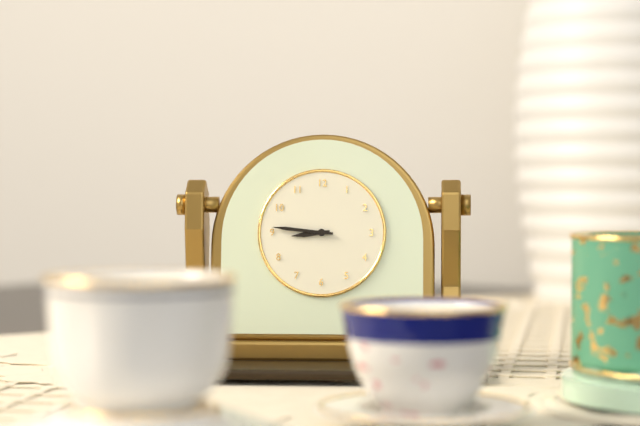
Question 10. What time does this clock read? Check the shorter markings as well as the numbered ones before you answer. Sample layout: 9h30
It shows 8h46
